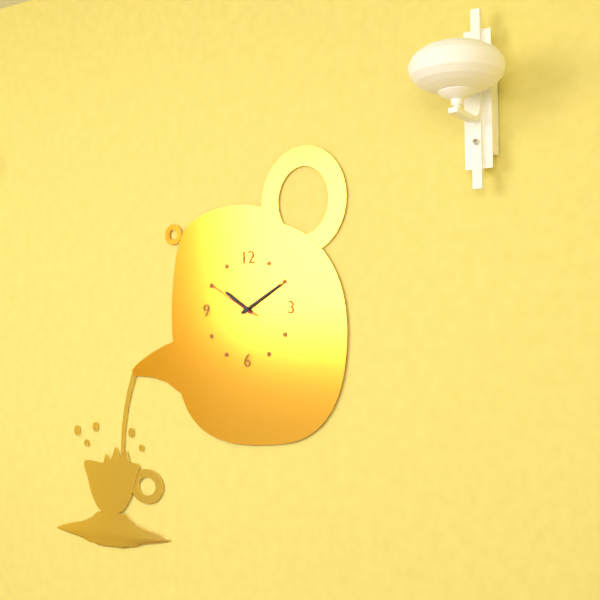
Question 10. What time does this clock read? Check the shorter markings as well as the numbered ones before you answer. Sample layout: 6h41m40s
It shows 10h10m50s
